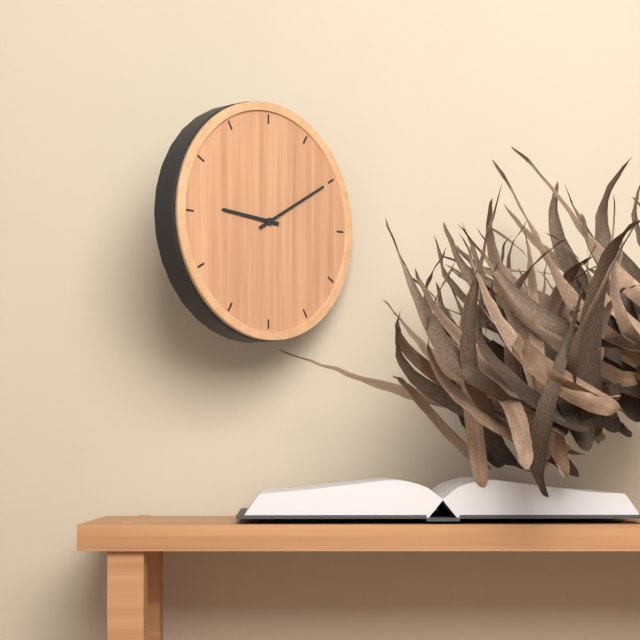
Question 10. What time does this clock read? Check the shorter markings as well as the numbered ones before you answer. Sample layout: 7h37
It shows 9h10
